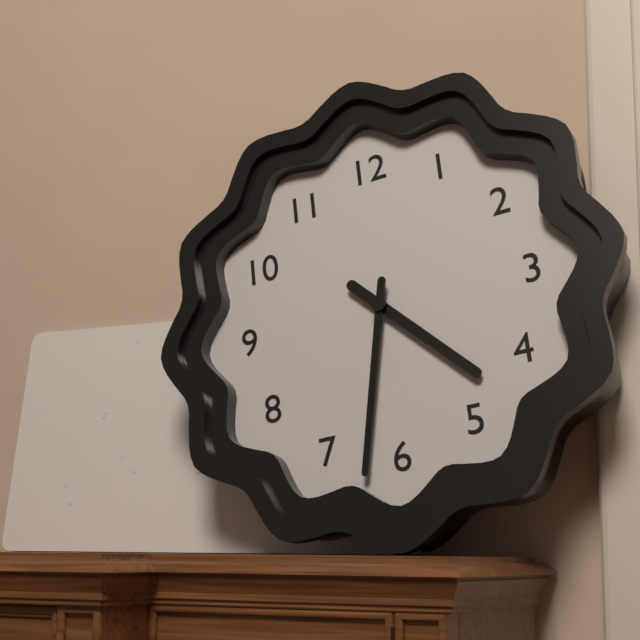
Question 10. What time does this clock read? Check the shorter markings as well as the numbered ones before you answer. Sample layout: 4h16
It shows 4h32
